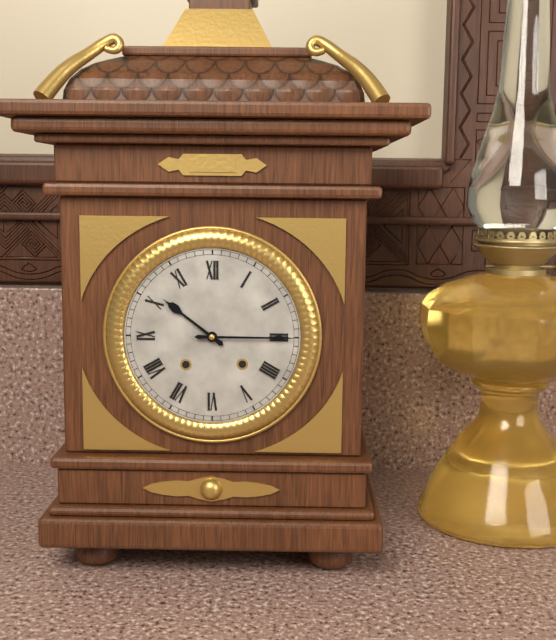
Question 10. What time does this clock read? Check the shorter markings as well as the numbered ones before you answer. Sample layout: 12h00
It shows 10h15
